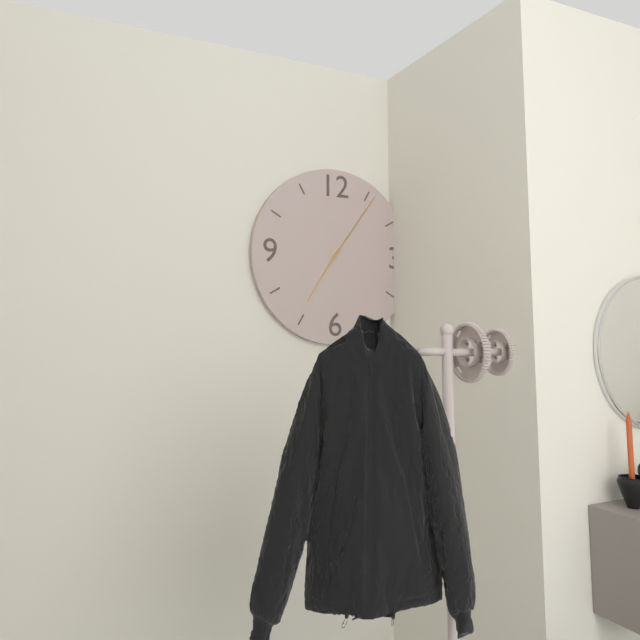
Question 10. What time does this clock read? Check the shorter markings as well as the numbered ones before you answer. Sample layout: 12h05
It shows 7h06
